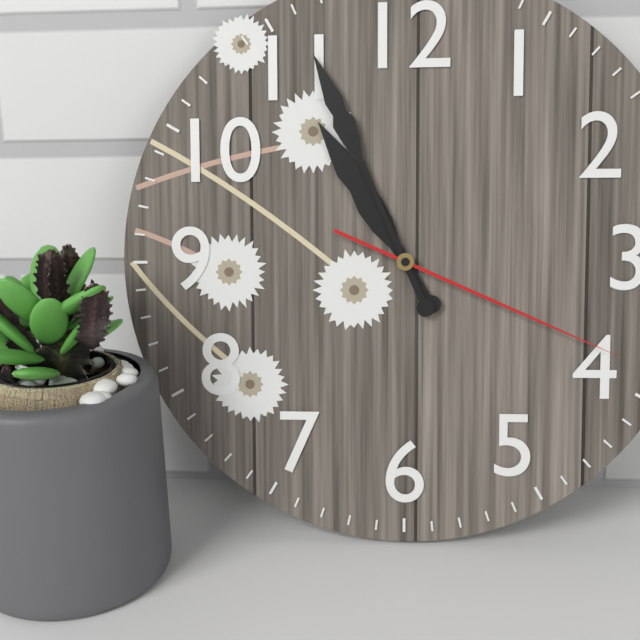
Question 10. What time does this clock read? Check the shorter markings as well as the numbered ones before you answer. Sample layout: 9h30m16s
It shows 10h56m19s
